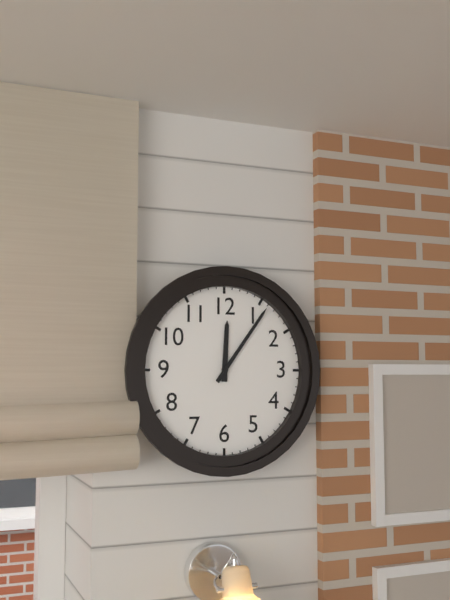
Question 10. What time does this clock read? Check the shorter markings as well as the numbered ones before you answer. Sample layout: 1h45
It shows 12h06
